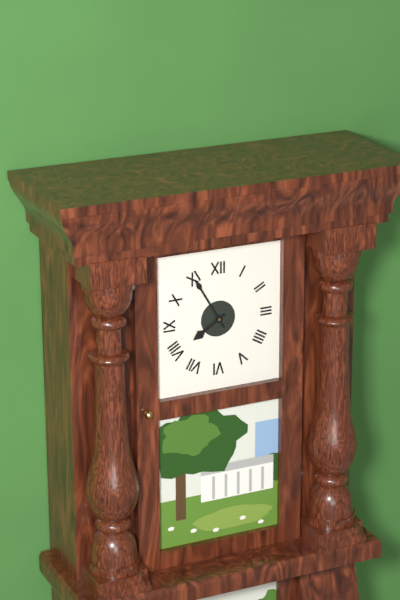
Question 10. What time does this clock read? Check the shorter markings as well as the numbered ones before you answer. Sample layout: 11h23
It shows 7h55
